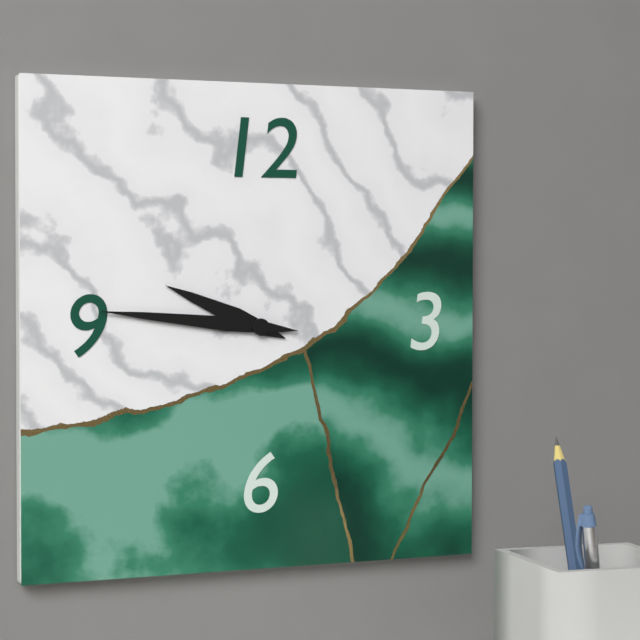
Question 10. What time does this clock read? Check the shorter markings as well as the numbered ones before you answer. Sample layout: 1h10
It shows 9h46
